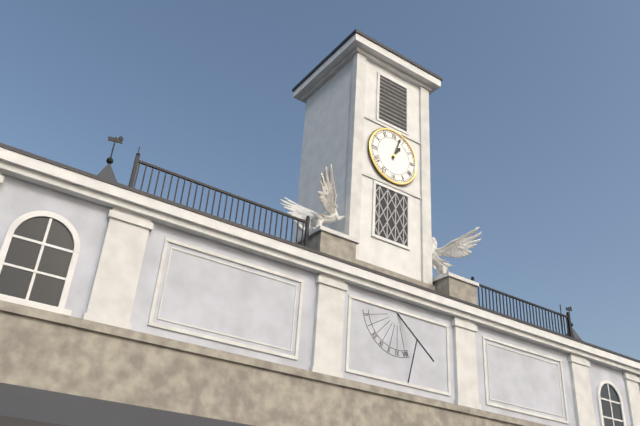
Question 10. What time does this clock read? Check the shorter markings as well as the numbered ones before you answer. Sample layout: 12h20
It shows 1h03
